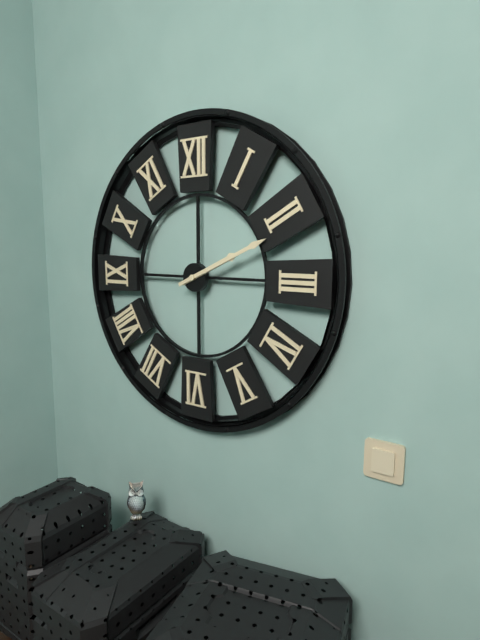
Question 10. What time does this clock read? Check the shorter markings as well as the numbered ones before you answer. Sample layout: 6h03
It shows 2h11
